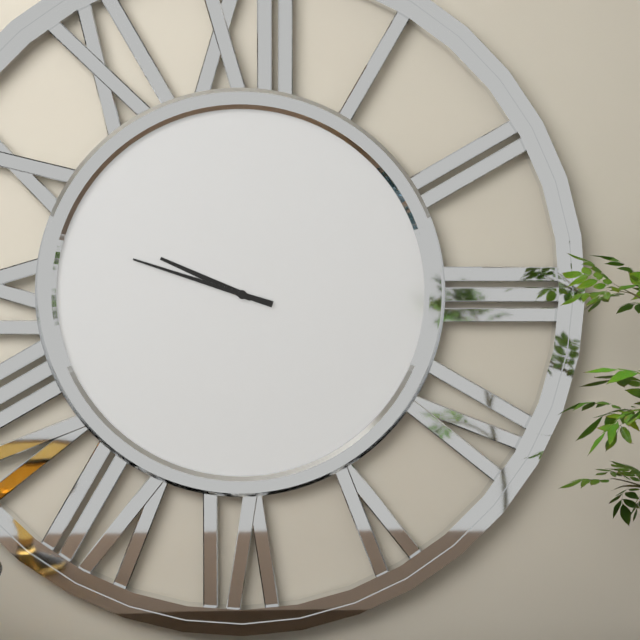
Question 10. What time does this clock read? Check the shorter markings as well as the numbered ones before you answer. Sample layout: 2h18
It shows 9h48
